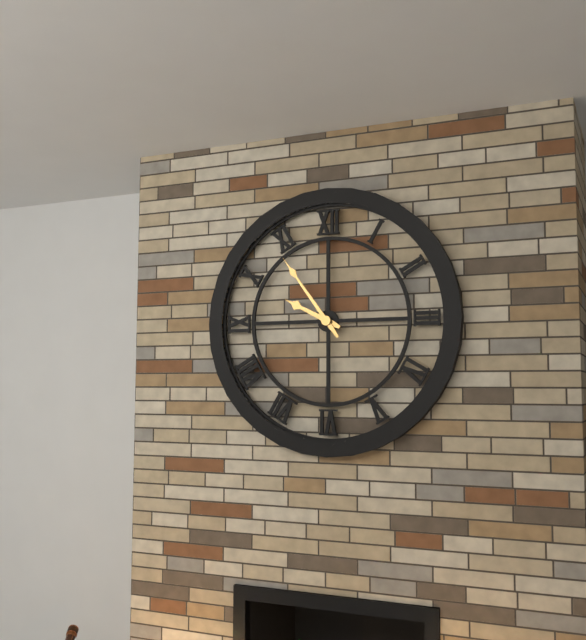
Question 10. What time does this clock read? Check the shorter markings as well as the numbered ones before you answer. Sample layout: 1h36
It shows 9h54
